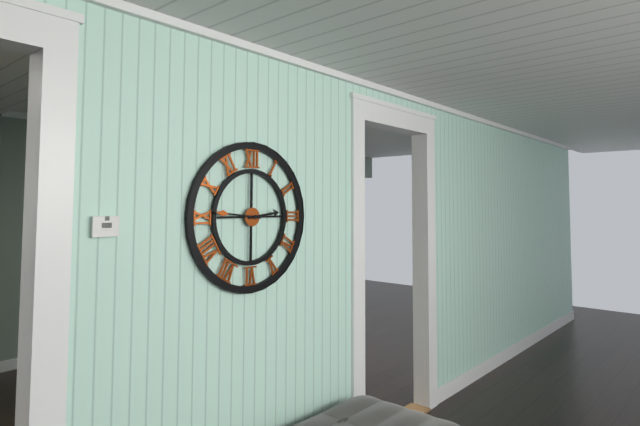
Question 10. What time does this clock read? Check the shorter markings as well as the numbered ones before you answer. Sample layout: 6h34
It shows 2h46
